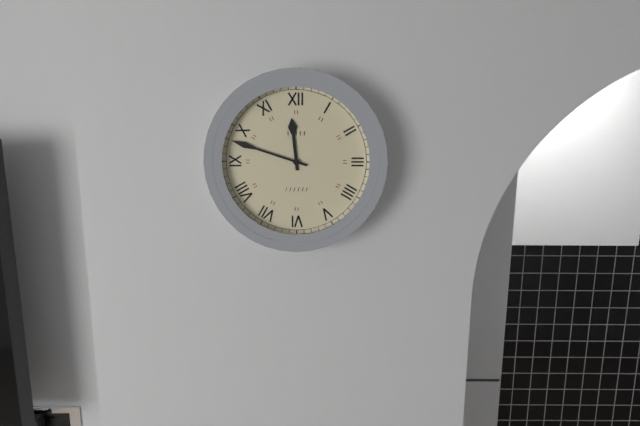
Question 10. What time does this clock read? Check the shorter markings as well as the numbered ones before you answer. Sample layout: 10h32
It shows 11h48
